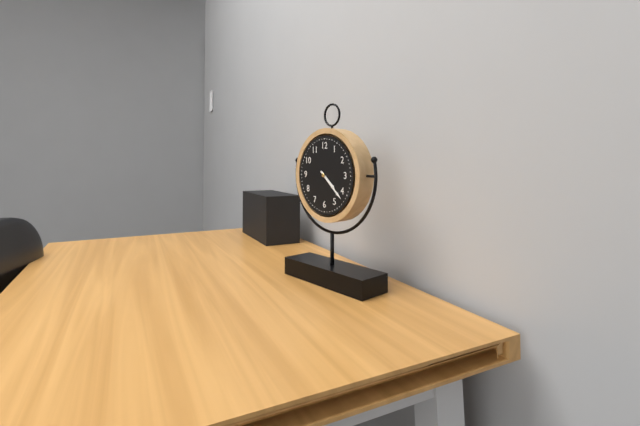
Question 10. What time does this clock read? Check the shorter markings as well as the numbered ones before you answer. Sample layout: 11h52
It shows 4h22
